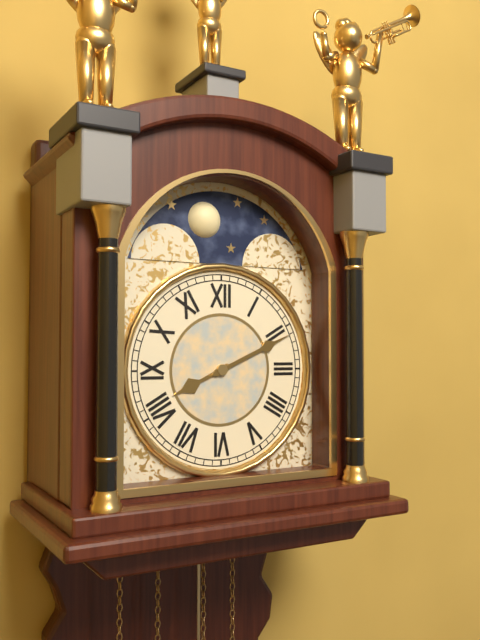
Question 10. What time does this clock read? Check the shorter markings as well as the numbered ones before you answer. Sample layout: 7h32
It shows 8h11
